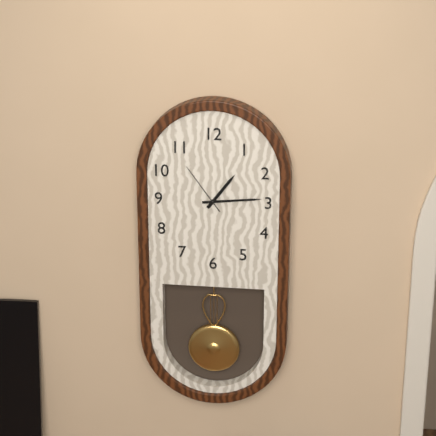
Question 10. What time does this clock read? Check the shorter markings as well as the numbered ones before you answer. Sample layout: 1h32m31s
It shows 1h14m54s
